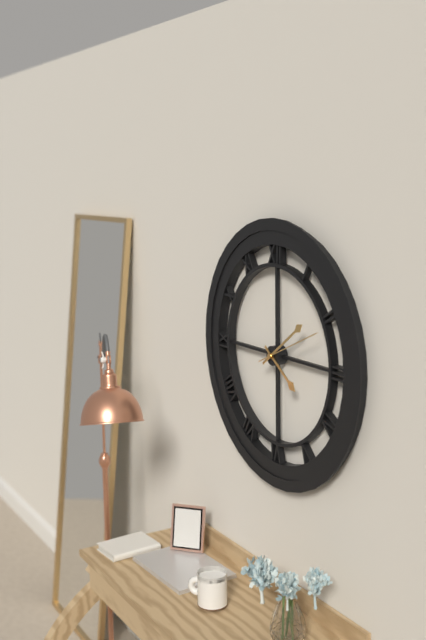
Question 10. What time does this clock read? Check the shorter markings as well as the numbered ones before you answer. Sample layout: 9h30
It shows 4h09
